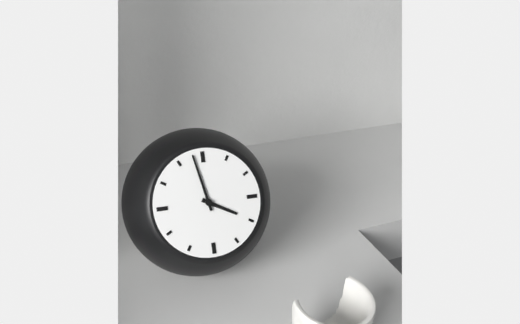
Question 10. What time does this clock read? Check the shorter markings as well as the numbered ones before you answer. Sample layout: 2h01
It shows 3h58
